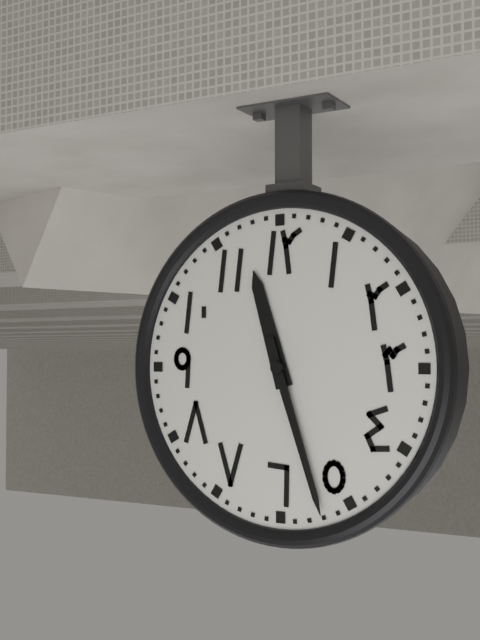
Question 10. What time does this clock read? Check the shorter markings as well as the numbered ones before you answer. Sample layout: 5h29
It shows 11h27
